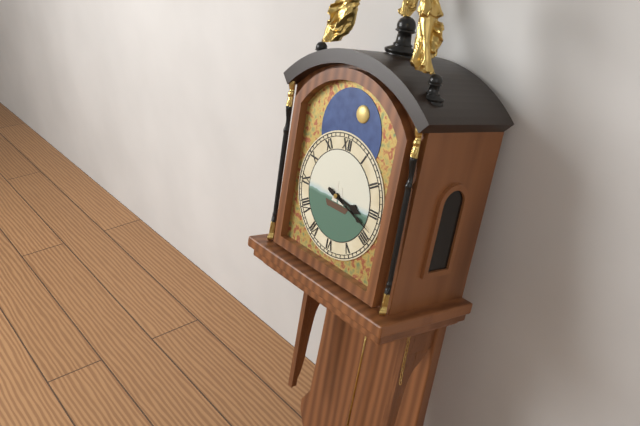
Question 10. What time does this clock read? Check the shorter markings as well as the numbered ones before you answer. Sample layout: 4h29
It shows 3h18
